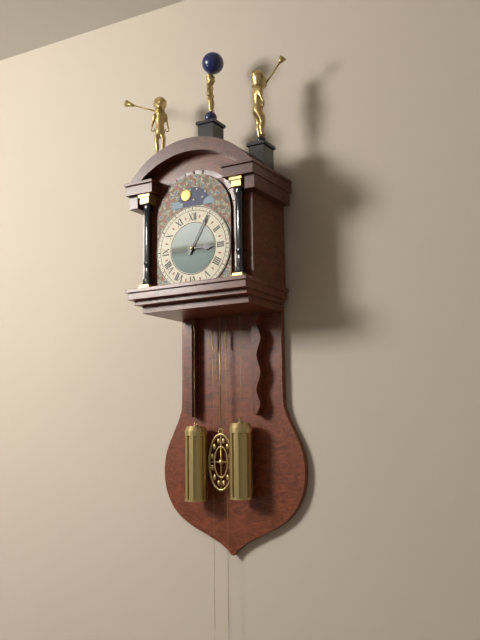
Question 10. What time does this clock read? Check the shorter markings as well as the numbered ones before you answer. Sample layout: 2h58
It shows 3h05
